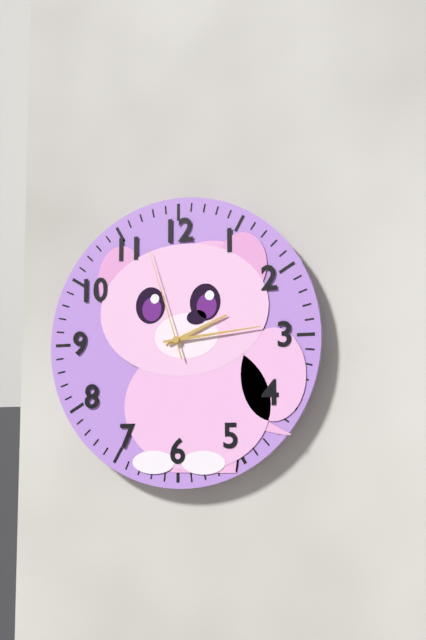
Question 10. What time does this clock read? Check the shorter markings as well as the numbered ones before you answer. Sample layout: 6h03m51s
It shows 2h14m57s
